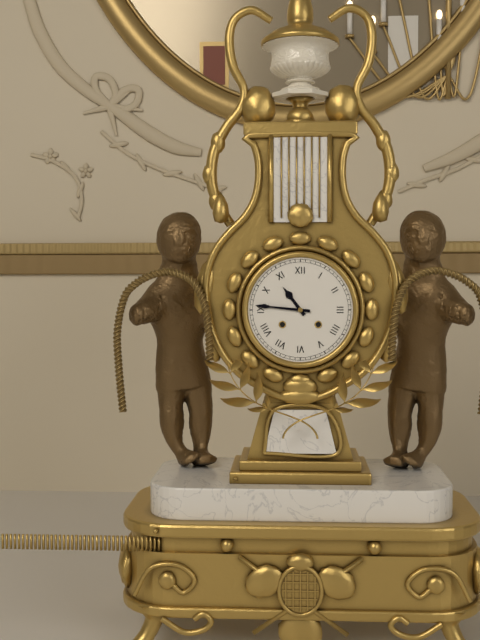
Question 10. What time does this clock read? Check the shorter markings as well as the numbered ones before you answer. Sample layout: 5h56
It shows 10h46
